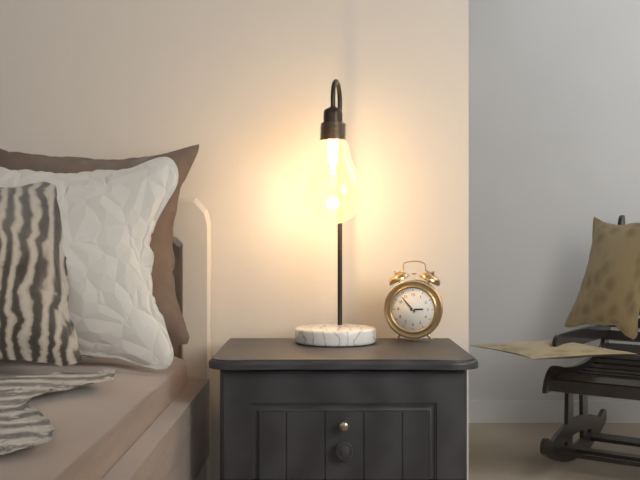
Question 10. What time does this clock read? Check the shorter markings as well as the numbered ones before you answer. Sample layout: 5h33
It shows 2h53
